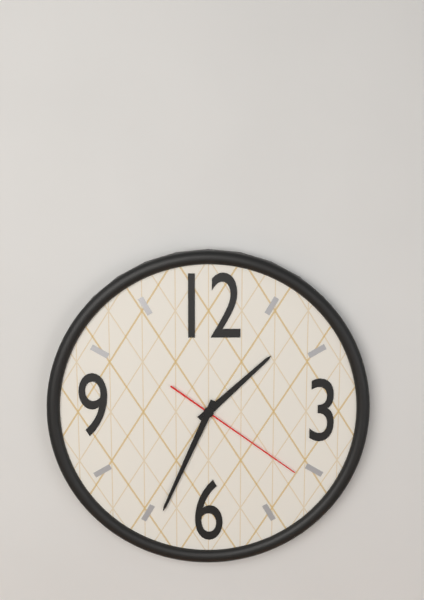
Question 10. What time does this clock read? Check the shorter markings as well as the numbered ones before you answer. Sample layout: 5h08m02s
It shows 1h34m21s
